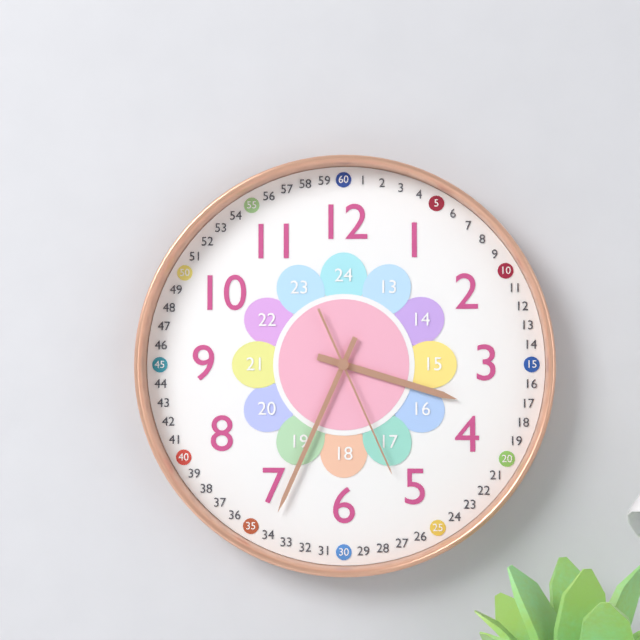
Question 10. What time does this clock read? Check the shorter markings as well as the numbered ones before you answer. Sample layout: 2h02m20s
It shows 3h34m26s
